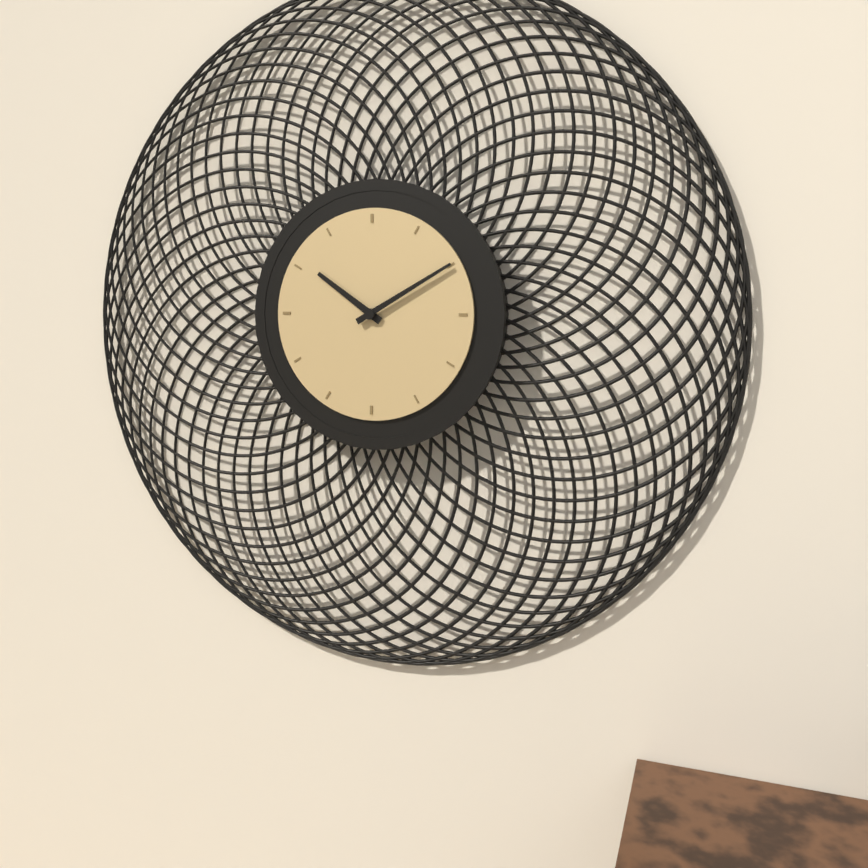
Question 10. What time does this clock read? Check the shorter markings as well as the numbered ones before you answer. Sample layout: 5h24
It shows 10h10
